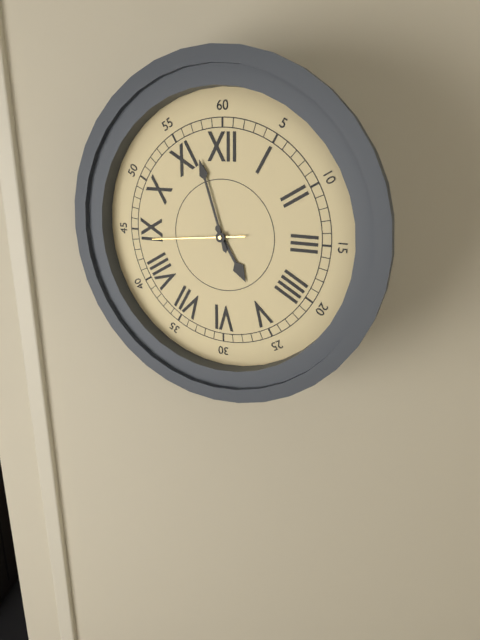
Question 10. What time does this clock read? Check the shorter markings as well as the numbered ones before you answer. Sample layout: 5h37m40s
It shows 4h57m44s
